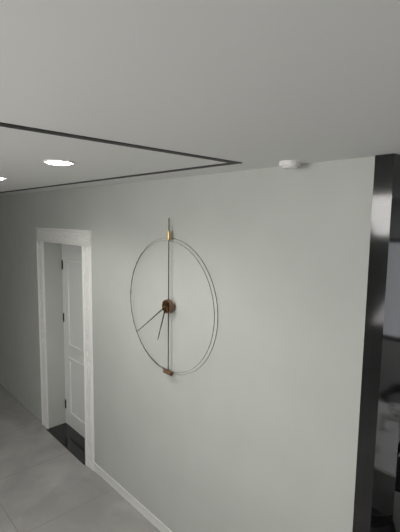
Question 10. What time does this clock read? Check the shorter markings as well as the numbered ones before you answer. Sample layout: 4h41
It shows 6h39
